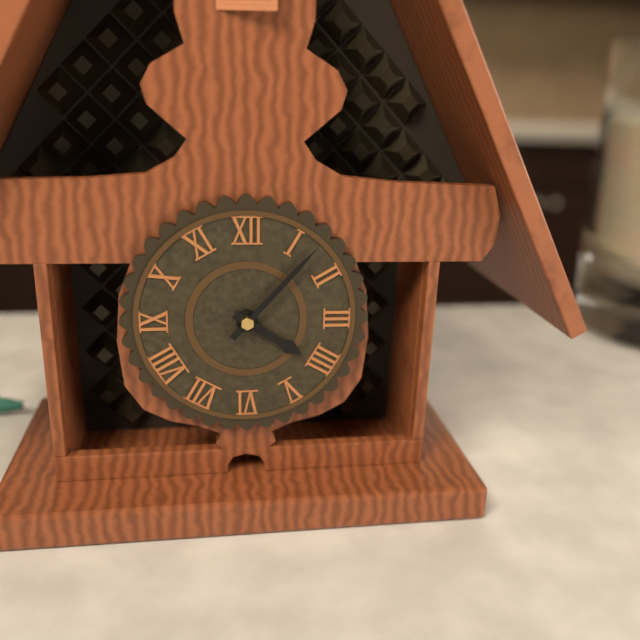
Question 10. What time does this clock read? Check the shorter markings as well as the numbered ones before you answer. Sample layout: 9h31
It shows 4h07
